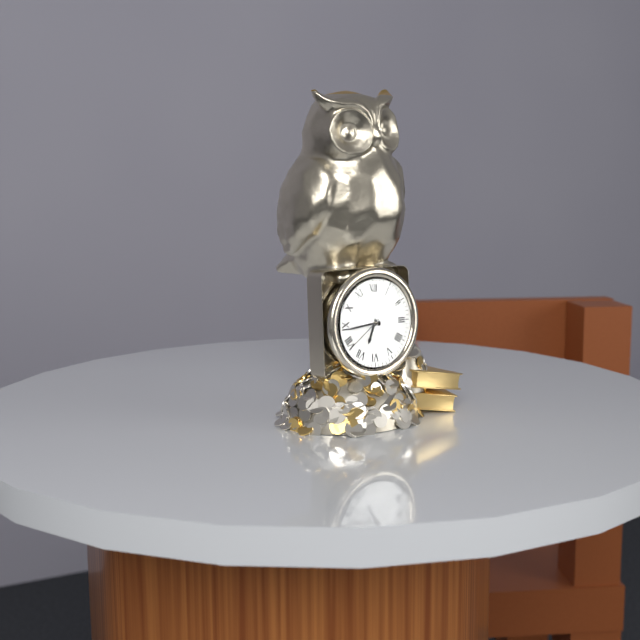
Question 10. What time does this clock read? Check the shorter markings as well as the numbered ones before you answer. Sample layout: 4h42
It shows 6h44
